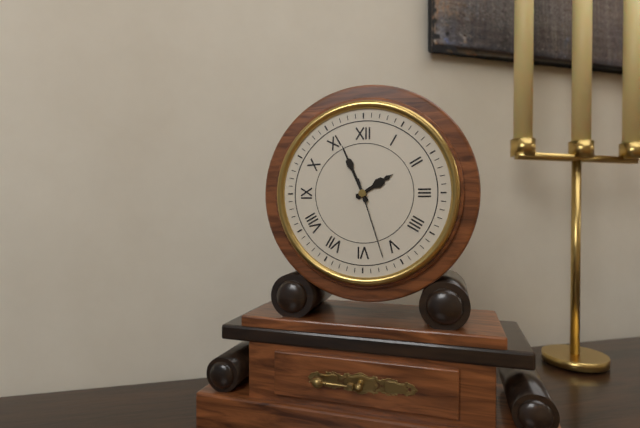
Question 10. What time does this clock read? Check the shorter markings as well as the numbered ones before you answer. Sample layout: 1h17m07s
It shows 1h56m27s
